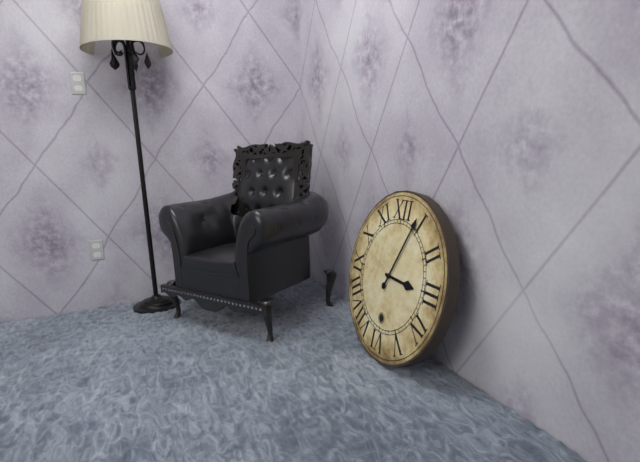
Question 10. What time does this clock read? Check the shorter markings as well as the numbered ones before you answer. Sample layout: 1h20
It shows 3h04
